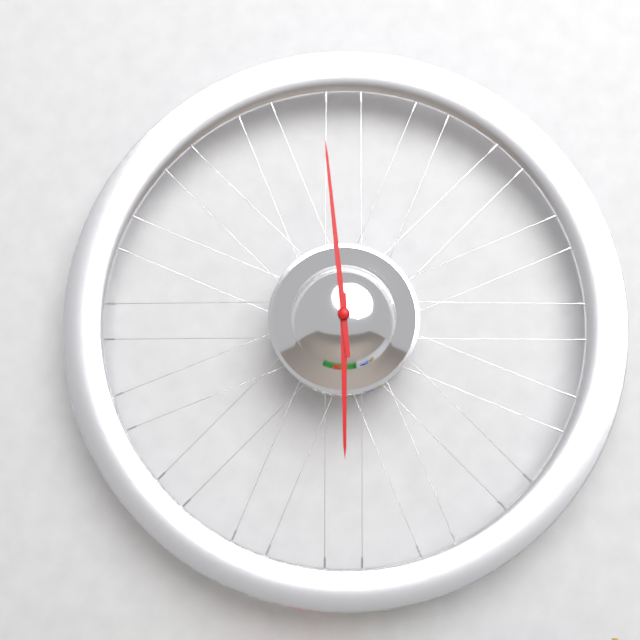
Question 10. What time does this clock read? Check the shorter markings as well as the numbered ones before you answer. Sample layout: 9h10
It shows 5h59
